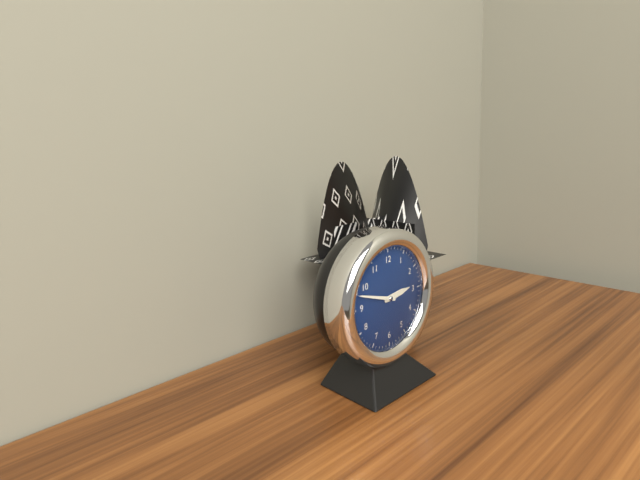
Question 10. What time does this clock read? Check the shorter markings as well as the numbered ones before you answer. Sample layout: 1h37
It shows 2h48
